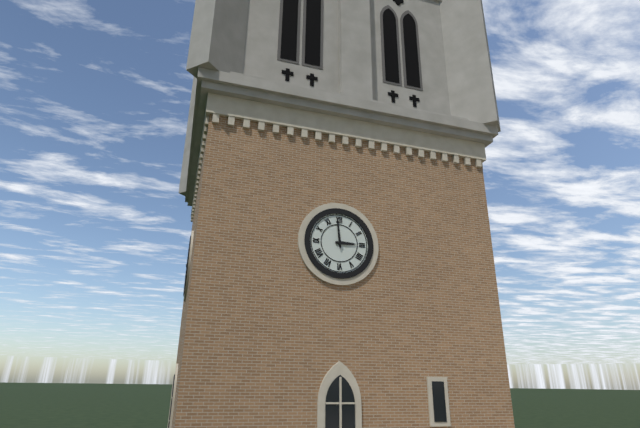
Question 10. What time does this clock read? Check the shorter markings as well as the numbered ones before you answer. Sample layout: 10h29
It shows 2h59
